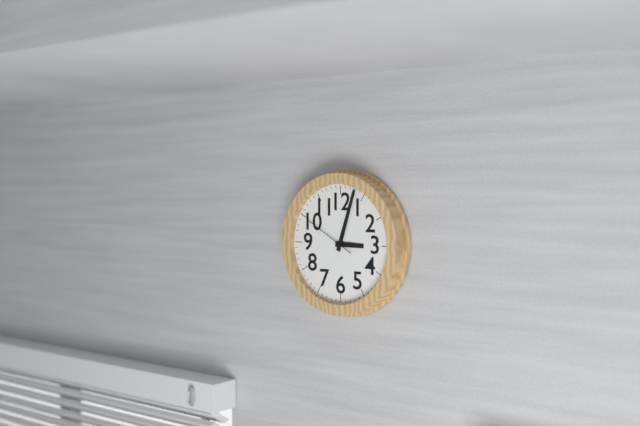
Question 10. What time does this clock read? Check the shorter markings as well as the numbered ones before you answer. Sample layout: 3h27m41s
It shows 3h03m50s
